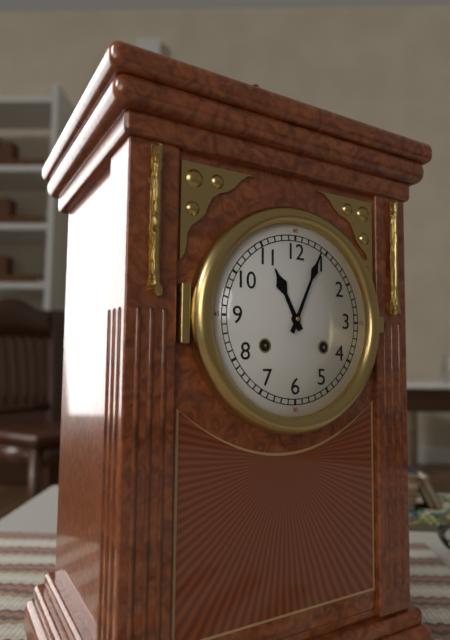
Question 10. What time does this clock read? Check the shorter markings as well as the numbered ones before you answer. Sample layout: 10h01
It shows 11h04
